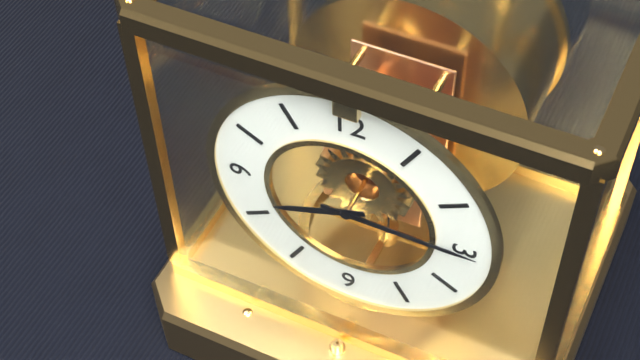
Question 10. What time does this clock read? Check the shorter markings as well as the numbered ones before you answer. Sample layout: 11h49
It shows 8h15
